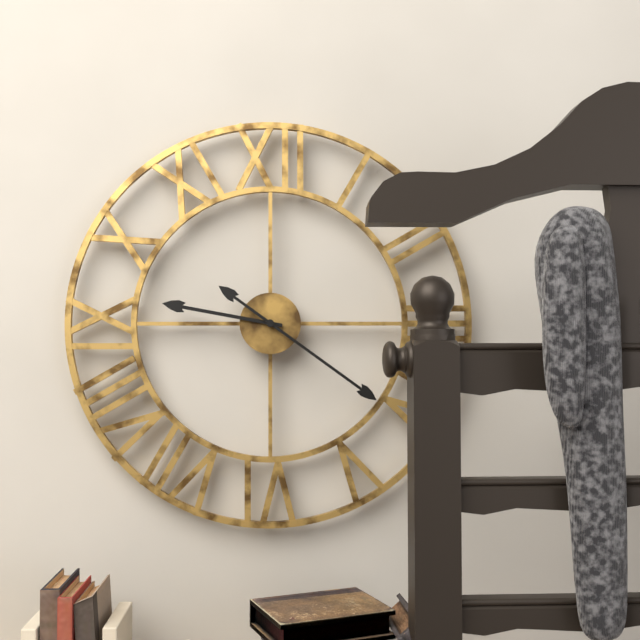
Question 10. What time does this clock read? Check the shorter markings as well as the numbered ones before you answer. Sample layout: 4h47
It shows 9h21
